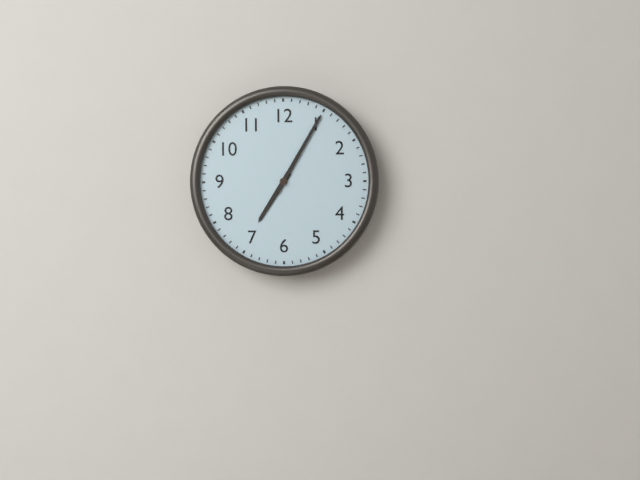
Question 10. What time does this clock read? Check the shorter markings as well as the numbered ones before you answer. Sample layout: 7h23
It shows 7h05
